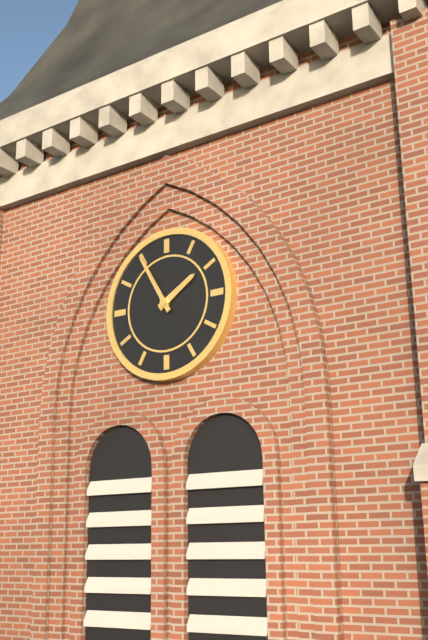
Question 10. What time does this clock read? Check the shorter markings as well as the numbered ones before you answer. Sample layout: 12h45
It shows 1h55
